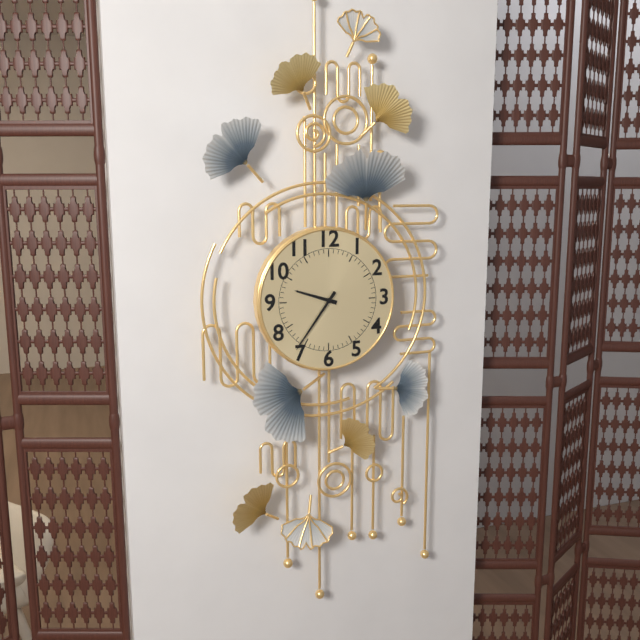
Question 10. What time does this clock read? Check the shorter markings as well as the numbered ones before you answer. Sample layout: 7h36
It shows 9h36
